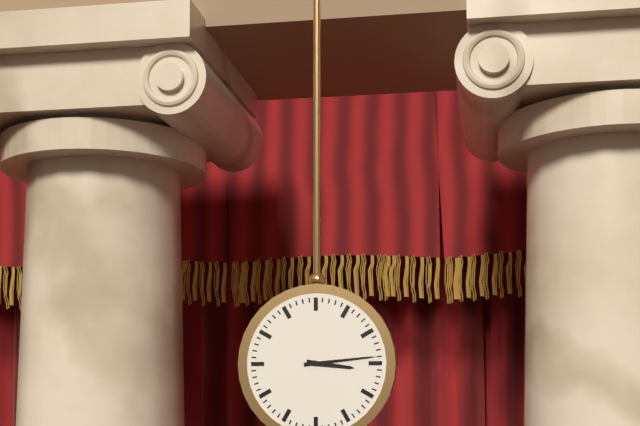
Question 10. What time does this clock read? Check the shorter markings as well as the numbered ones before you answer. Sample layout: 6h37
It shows 3h14
